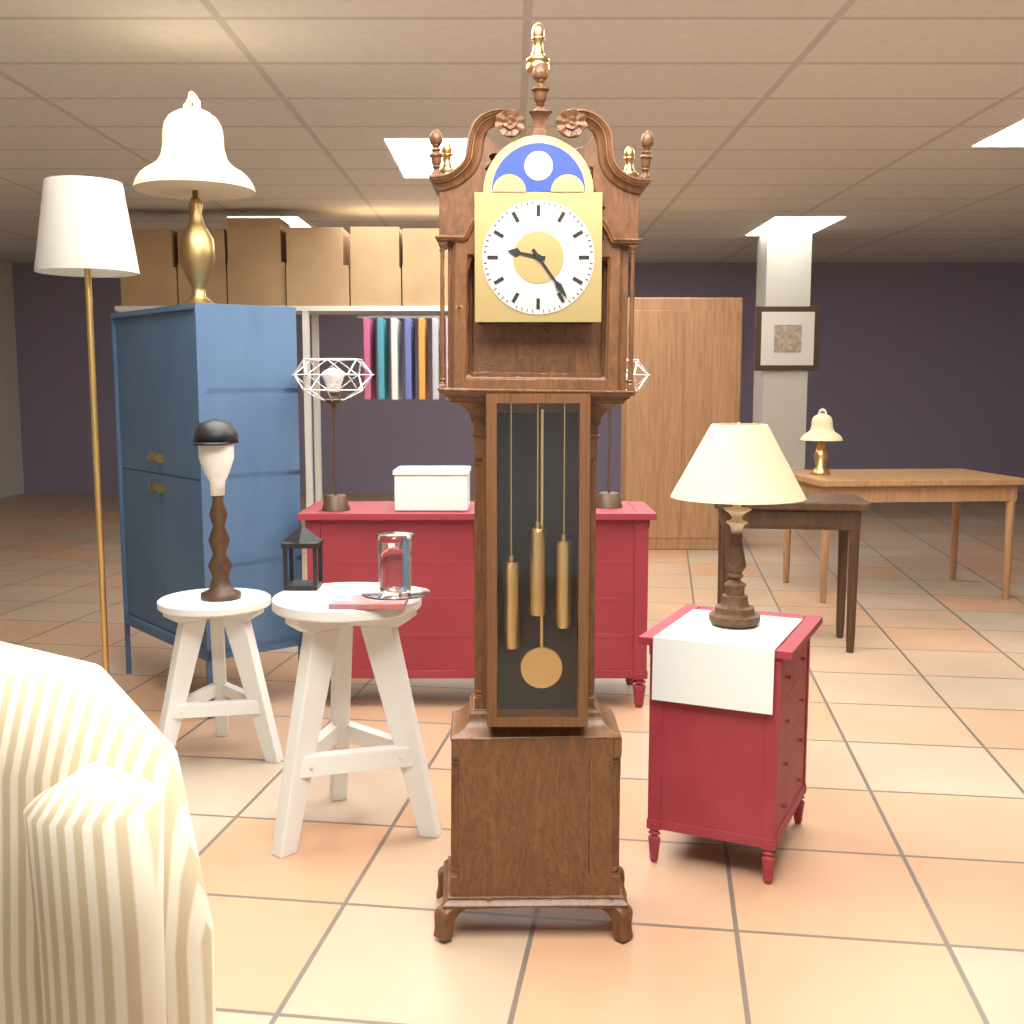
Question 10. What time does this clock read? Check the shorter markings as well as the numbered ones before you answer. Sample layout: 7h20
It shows 9h24
